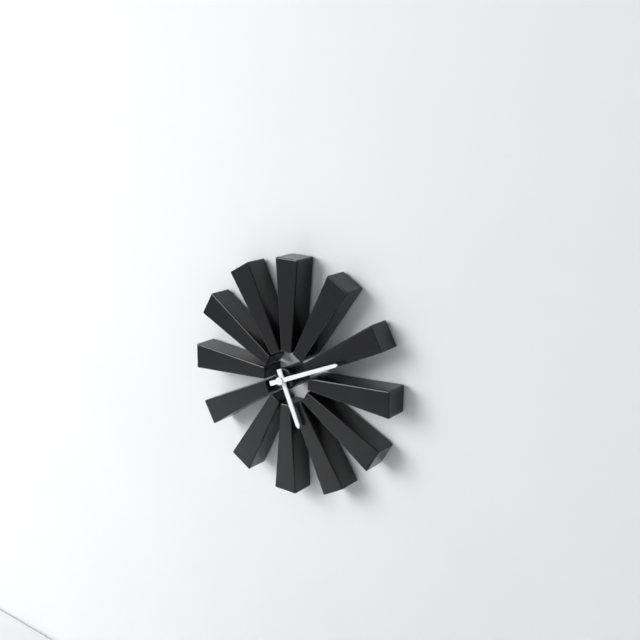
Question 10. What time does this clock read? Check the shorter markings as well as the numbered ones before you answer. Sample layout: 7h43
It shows 5h11
